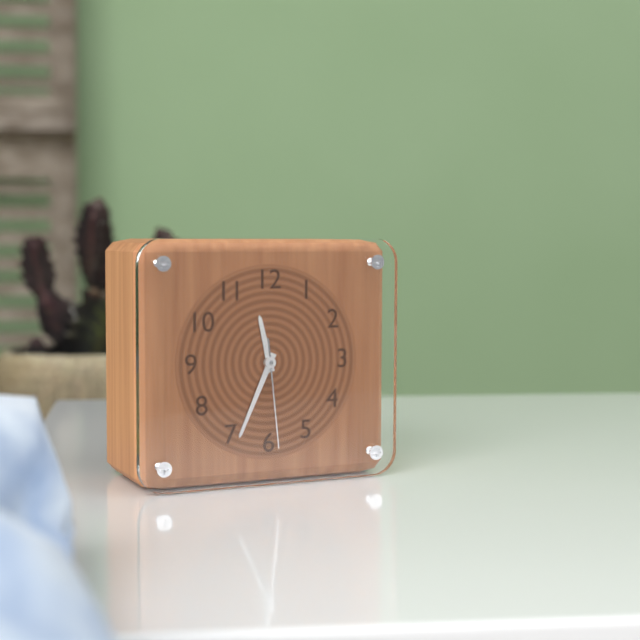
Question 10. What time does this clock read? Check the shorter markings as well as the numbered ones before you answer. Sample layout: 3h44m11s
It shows 11h34m29s
